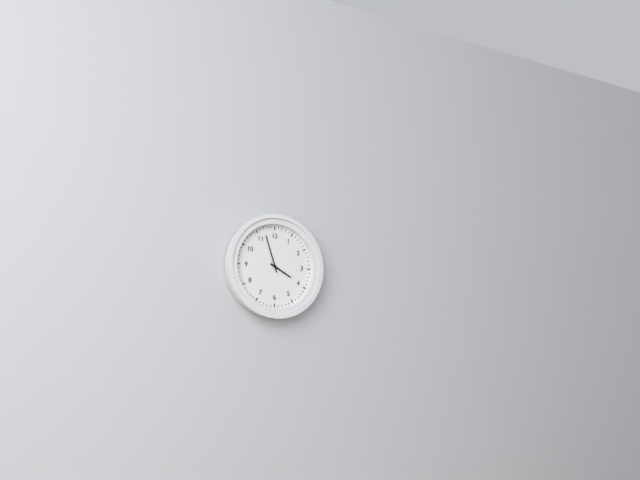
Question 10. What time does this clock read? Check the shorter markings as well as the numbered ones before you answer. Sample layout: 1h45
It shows 3h57
